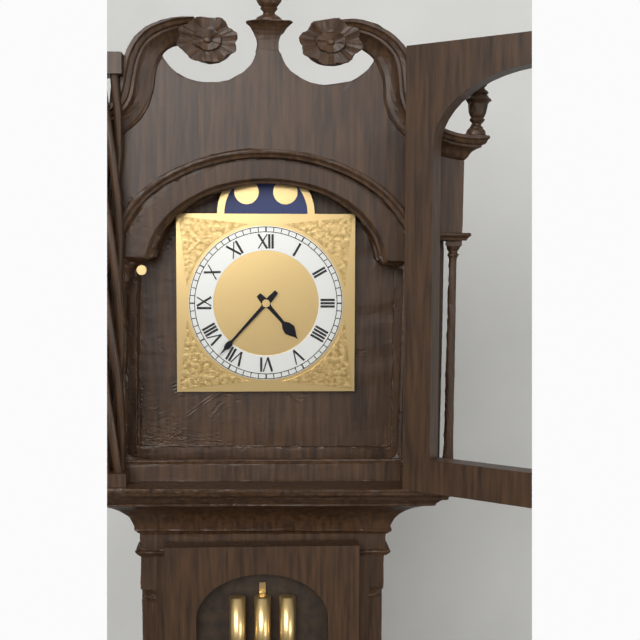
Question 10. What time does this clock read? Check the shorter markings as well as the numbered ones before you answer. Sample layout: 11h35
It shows 4h37
